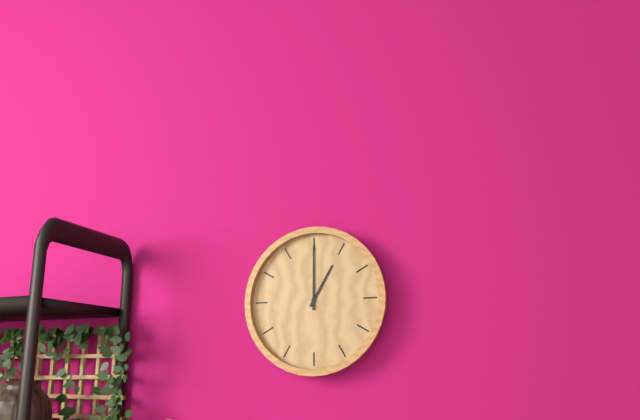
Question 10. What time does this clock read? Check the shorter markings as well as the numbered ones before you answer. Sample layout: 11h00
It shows 1h00
